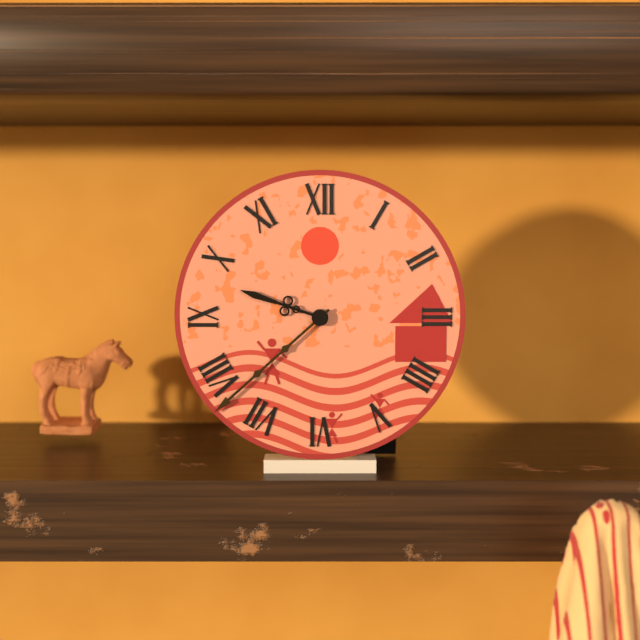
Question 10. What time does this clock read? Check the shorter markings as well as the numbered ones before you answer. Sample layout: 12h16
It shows 9h38
